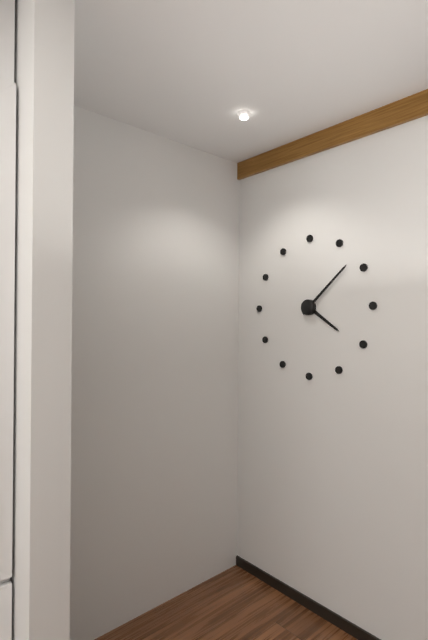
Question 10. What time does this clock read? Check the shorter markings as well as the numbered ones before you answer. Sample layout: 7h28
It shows 4h08
